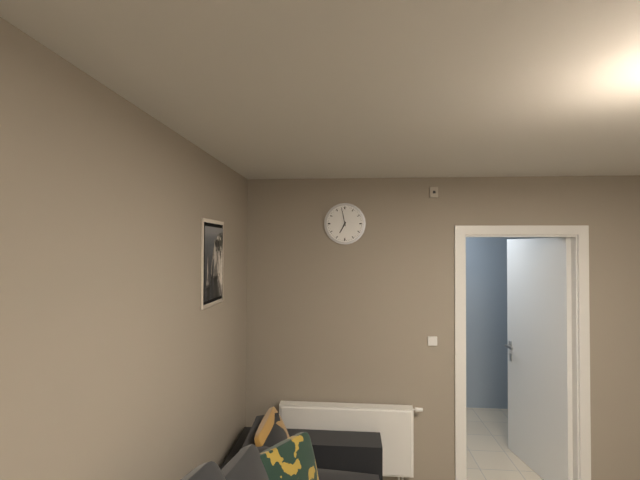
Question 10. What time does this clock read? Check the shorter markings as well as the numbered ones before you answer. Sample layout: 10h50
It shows 6h58
